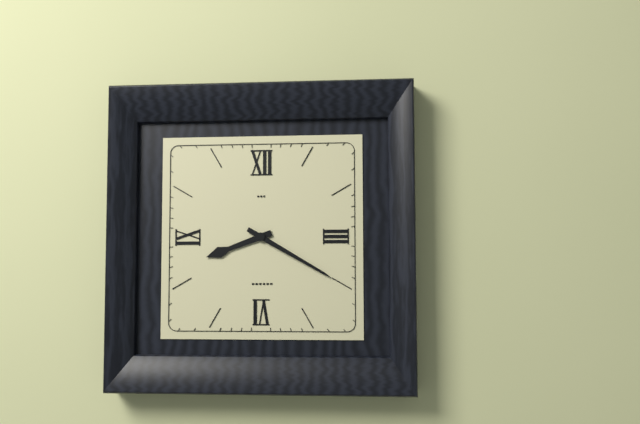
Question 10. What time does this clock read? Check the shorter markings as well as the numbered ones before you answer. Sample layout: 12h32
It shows 8h20
